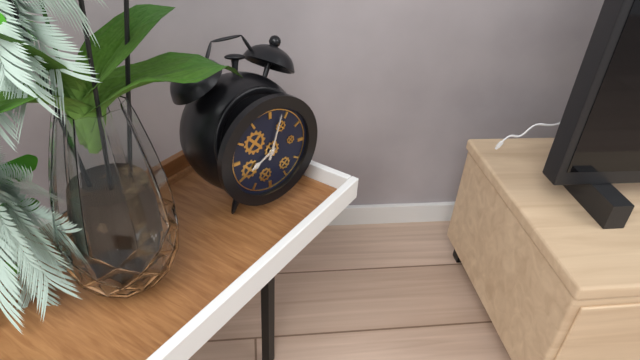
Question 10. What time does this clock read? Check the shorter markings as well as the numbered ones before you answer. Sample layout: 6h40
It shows 8h03
